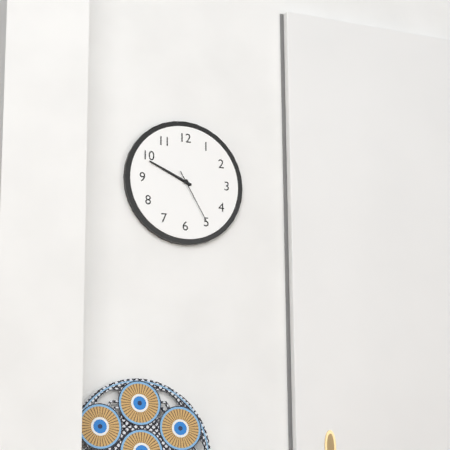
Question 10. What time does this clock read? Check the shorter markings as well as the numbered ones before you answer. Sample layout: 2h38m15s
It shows 9h49m25s
